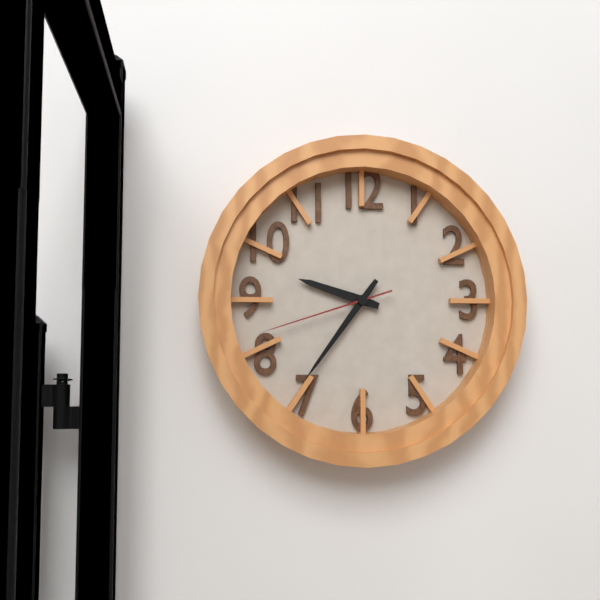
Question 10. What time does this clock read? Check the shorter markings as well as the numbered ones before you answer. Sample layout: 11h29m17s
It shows 9h36m42s
